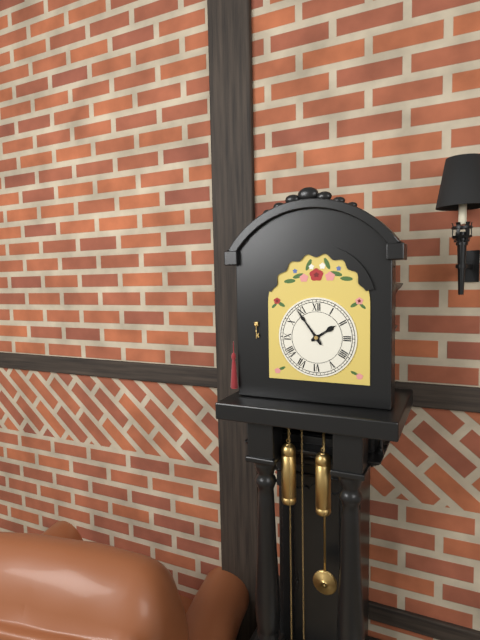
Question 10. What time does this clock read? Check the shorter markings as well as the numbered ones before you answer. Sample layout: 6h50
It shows 1h54
